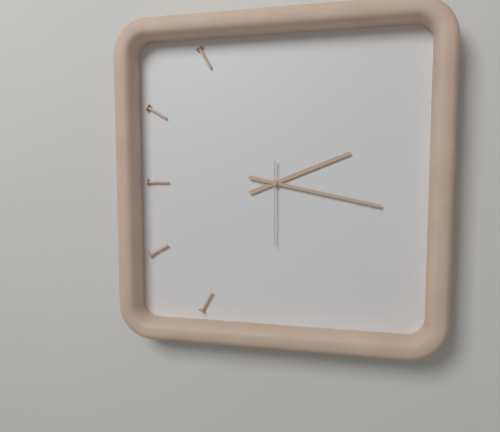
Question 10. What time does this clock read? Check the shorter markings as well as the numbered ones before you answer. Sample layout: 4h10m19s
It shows 2h17m30s
